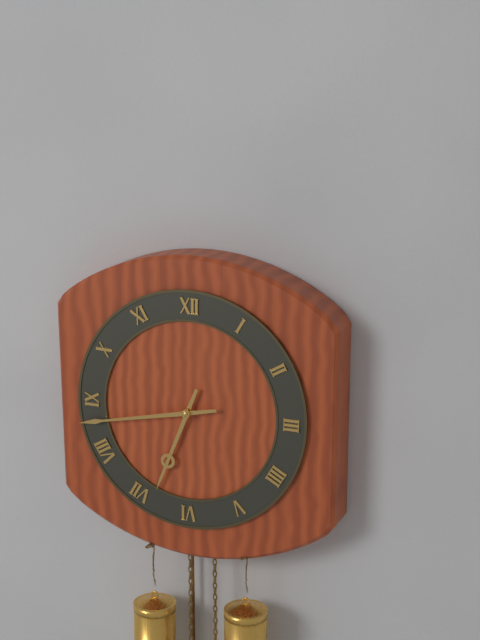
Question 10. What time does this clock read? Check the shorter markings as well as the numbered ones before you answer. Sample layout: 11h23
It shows 6h43
